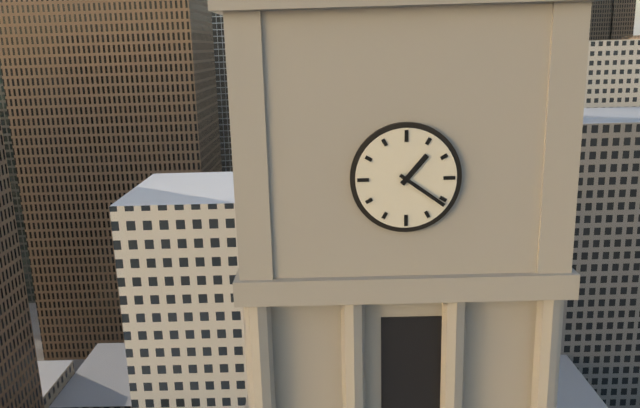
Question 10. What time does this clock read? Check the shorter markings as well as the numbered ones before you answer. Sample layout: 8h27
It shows 1h21
